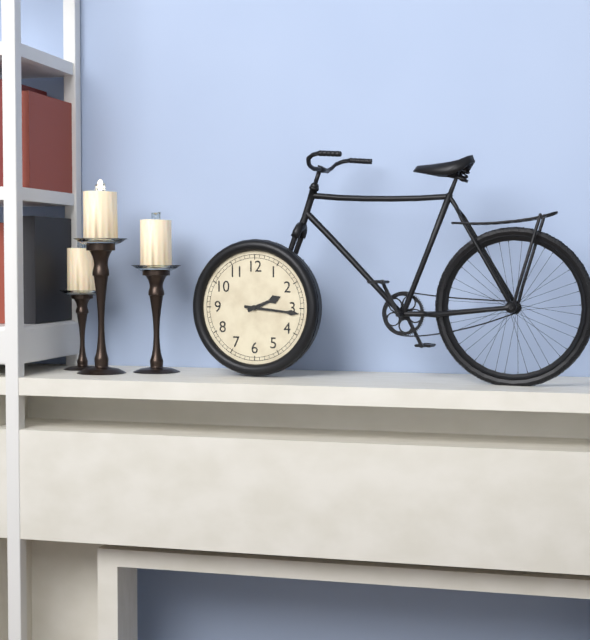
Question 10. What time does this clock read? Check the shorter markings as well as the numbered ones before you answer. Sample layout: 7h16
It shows 2h16
